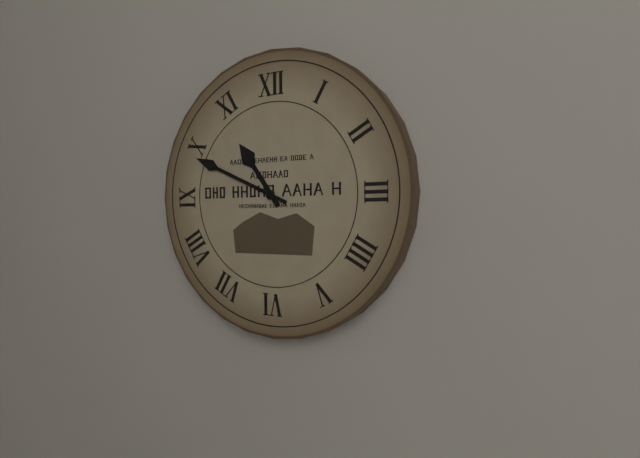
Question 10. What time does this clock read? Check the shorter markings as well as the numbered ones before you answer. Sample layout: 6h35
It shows 10h49
